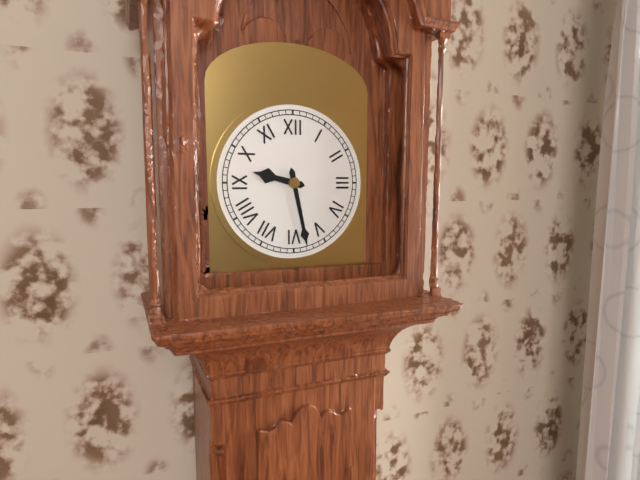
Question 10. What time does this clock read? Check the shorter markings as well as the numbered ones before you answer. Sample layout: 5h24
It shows 9h28
